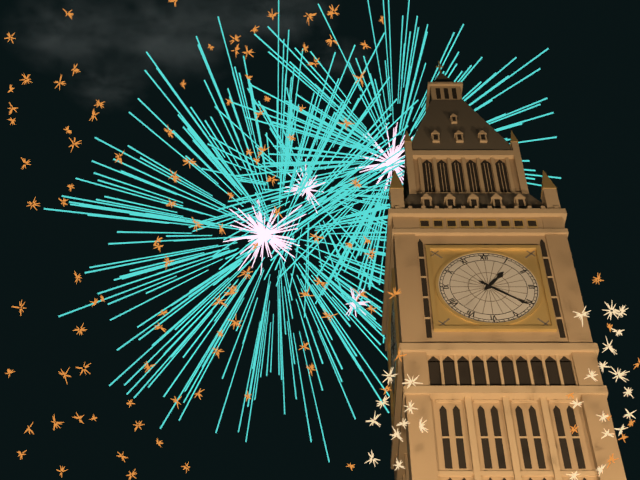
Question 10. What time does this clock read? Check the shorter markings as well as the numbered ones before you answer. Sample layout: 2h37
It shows 1h21
